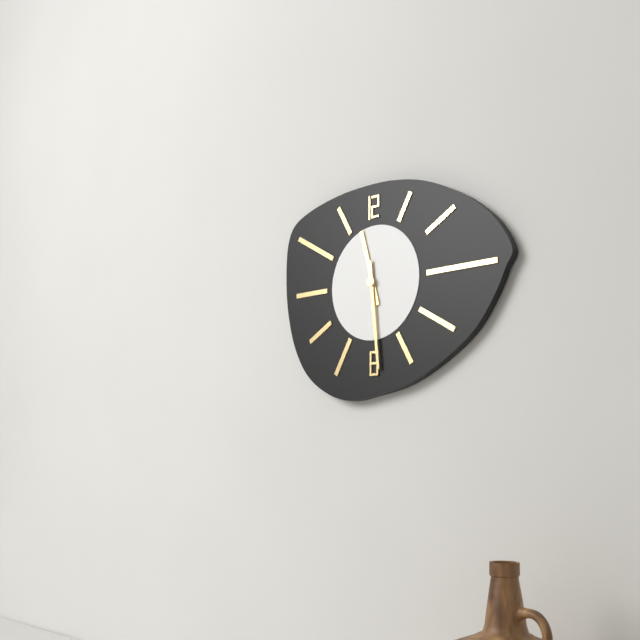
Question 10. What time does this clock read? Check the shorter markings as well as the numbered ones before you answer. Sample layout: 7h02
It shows 11h29
